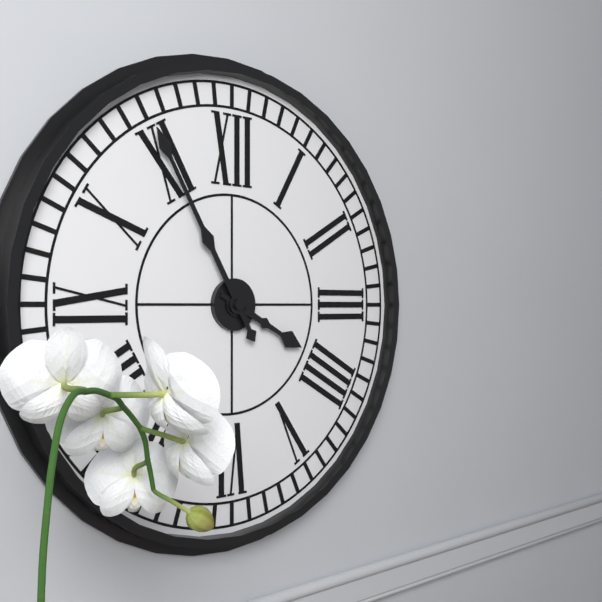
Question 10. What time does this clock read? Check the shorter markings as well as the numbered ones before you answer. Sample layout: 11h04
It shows 3h55
